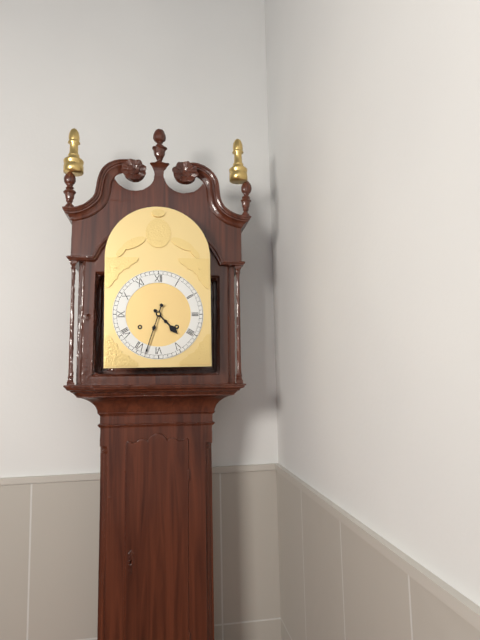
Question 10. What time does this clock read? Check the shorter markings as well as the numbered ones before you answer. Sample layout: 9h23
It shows 4h33
